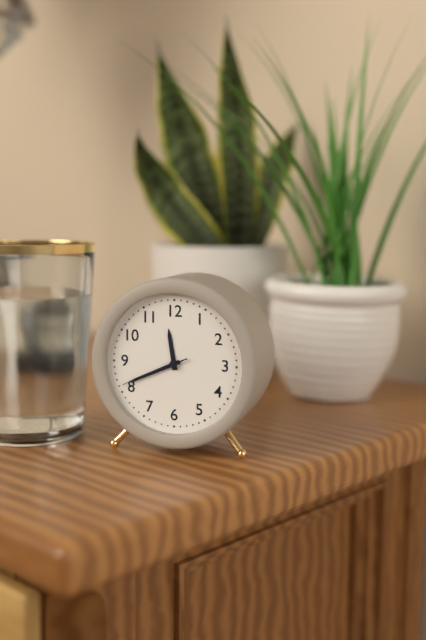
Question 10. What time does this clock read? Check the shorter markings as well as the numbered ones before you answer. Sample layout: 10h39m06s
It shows 11h41m41s
